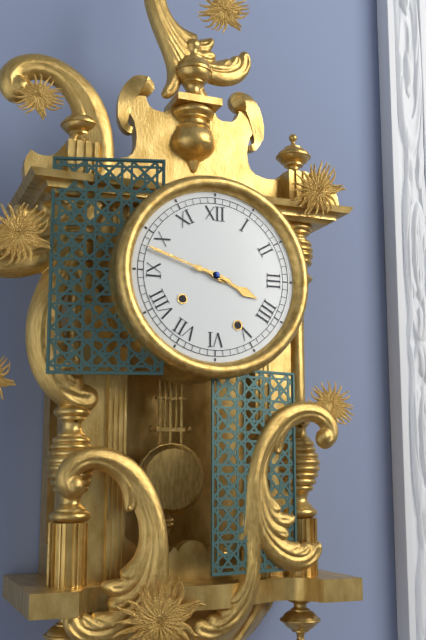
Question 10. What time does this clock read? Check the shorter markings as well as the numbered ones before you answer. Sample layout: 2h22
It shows 3h48
